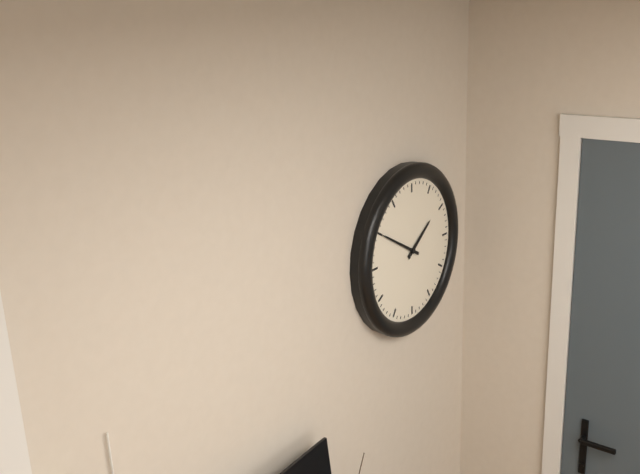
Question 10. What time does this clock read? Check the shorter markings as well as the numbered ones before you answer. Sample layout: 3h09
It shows 1h50
